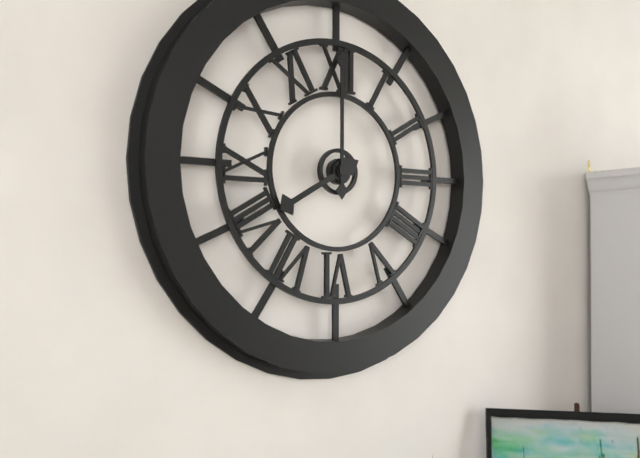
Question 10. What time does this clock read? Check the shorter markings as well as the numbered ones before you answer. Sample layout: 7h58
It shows 8h00
